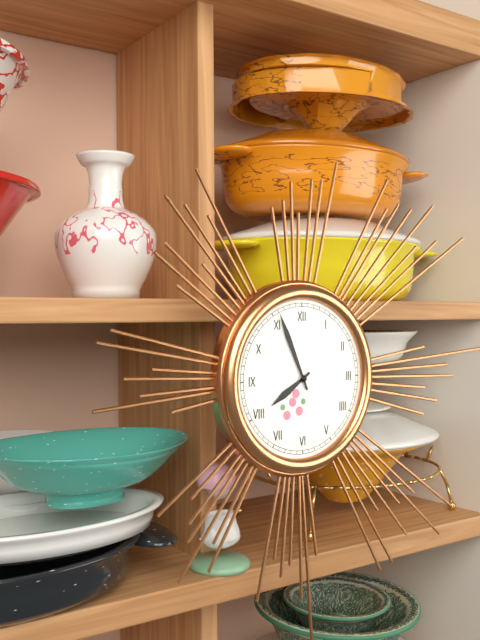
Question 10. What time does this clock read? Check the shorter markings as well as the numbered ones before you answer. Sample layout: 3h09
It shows 7h56
